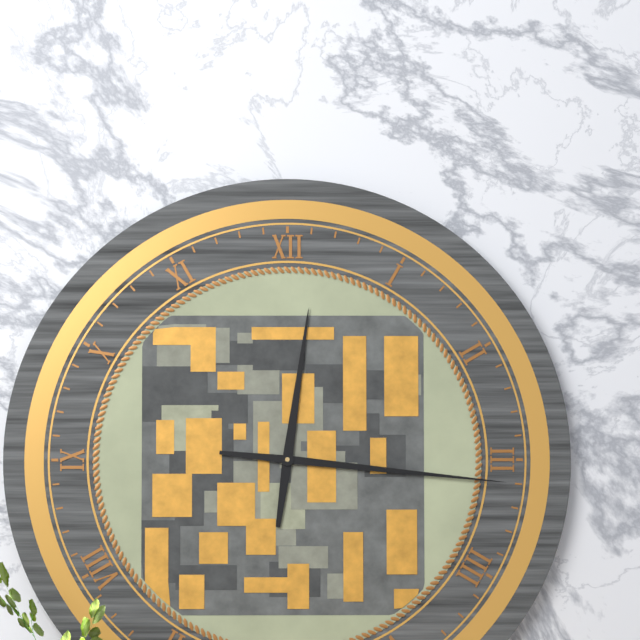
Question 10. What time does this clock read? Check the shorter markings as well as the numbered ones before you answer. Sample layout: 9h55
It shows 12h16
